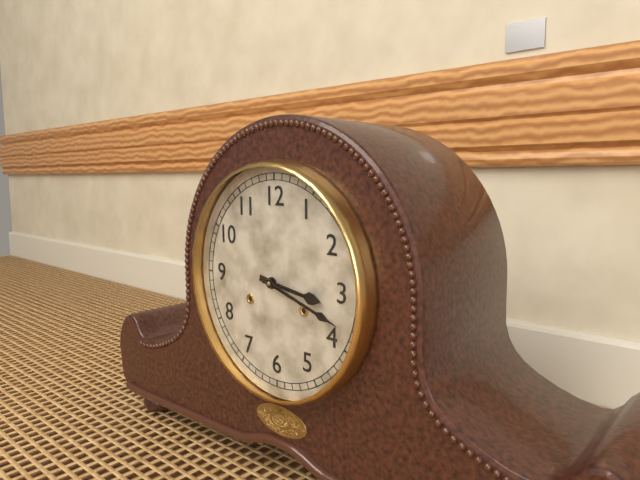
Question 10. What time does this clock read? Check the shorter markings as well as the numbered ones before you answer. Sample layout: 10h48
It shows 3h18
